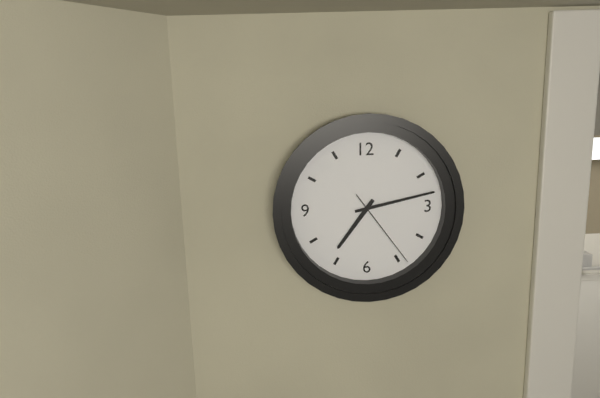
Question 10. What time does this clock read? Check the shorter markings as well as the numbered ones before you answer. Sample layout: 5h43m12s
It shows 7h13m24s
